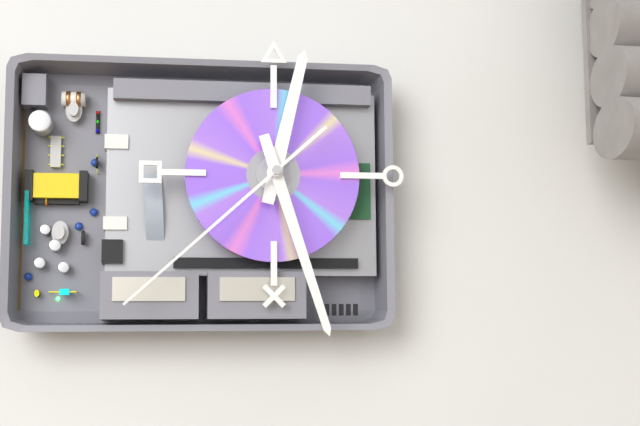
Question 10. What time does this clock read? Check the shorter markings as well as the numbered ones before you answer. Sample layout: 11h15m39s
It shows 12h27m38s
